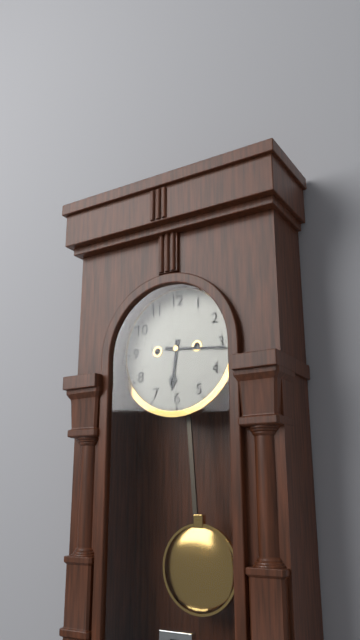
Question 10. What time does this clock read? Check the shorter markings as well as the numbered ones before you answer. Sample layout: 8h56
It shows 6h16
